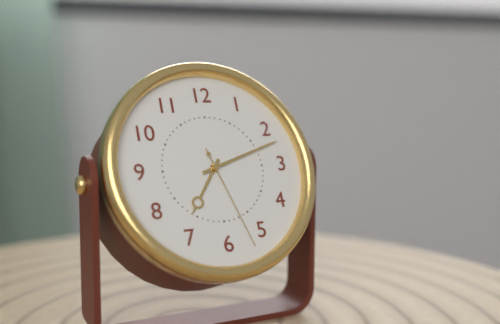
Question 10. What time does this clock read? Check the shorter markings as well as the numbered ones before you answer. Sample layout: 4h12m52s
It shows 7h12m27s
